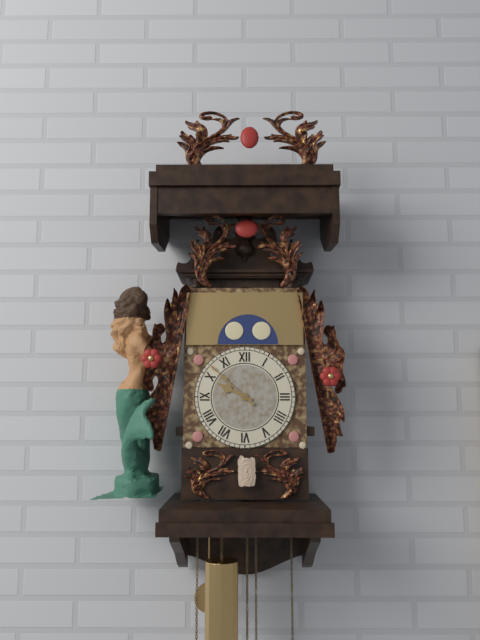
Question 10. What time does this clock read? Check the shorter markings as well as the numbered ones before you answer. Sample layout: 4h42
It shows 9h52
